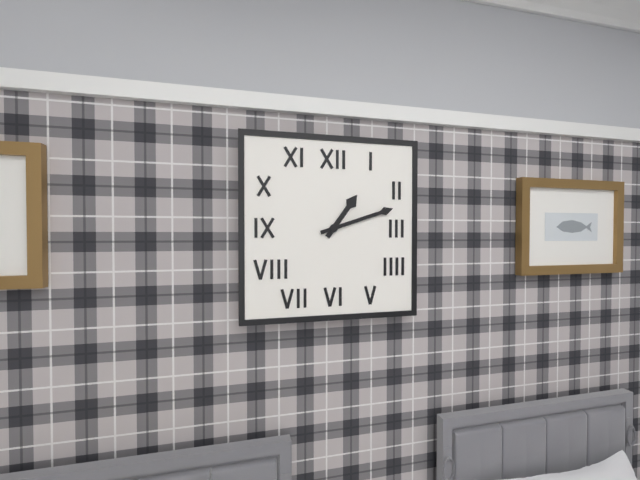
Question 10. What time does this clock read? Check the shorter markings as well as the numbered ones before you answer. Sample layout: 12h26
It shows 1h12
